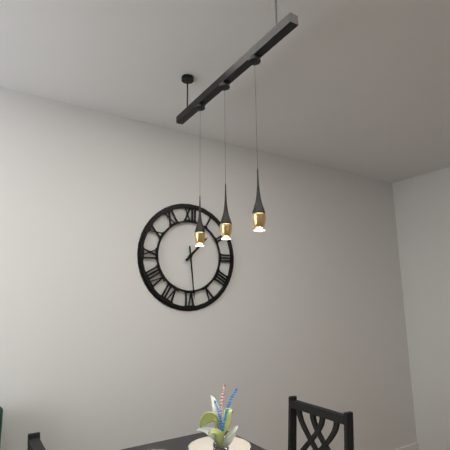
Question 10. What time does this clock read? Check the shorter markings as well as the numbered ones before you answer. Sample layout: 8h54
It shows 1h29
